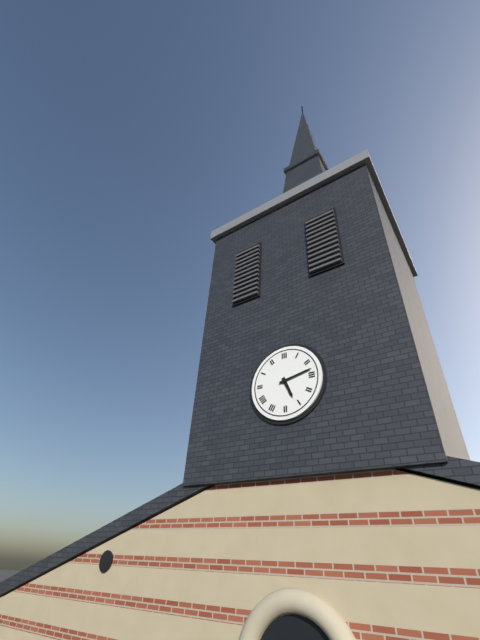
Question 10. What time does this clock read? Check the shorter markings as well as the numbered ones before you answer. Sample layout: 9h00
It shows 5h13
